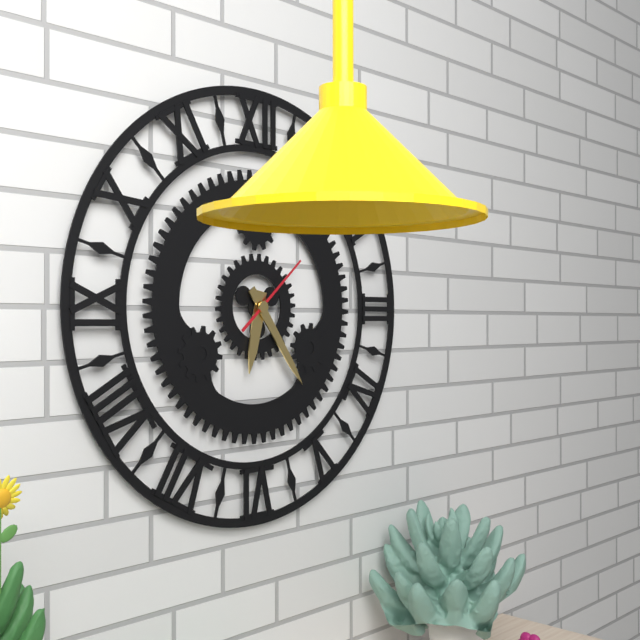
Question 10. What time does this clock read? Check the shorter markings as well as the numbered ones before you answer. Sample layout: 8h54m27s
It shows 6h24m08s
